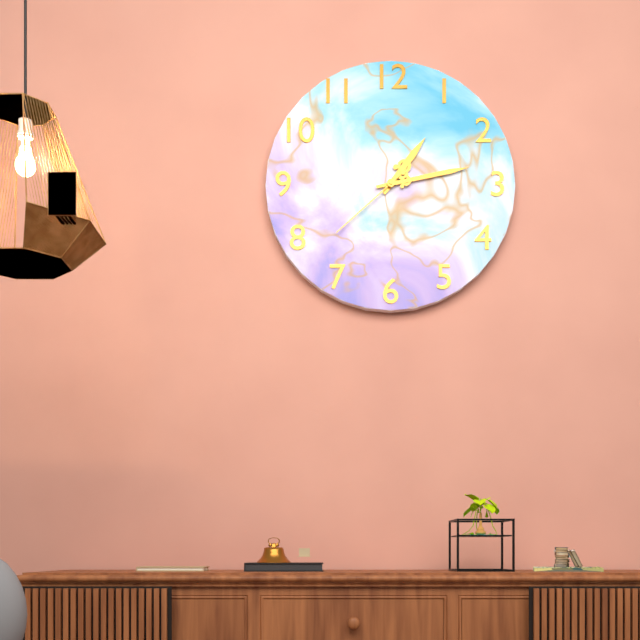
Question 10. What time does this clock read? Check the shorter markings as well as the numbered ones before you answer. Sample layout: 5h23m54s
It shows 1h13m38s
